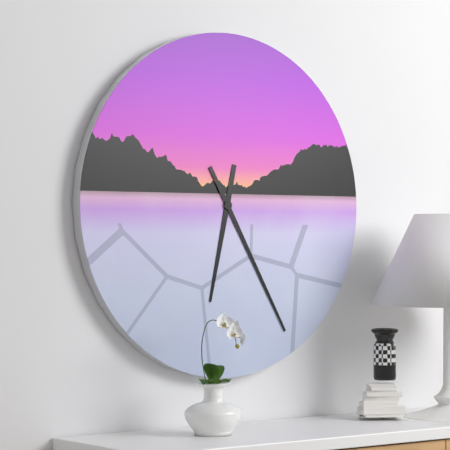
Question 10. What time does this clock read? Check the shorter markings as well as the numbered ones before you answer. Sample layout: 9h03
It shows 6h25
